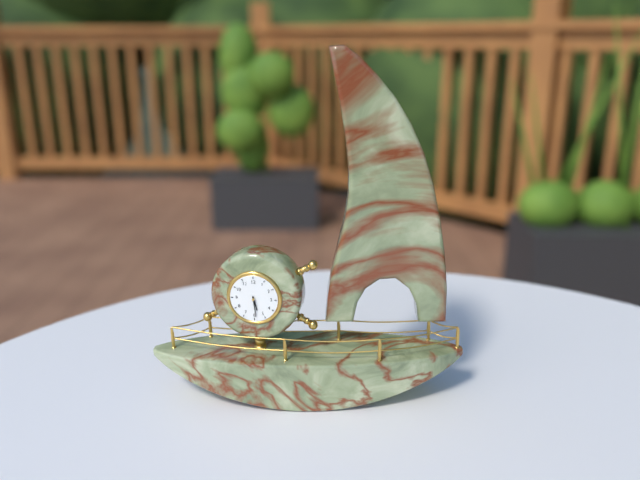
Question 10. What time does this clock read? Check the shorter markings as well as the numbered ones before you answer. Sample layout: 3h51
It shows 5h29
